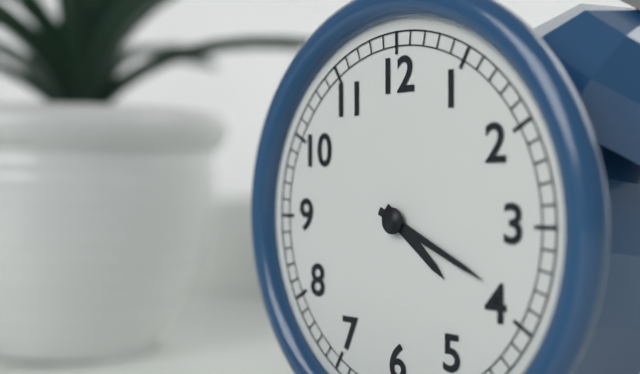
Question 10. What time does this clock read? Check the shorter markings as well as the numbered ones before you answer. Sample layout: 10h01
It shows 4h19
